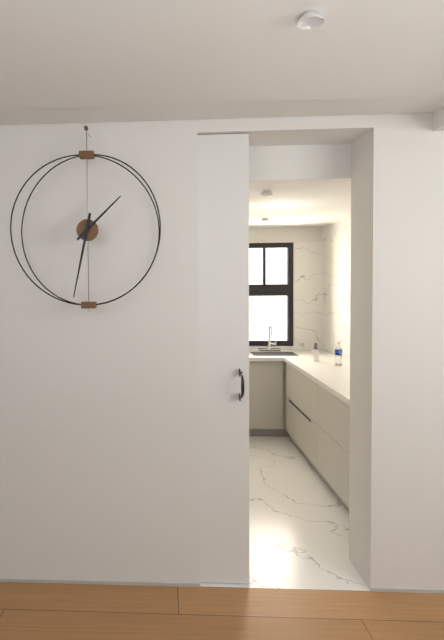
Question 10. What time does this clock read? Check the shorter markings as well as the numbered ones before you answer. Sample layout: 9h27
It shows 1h32
